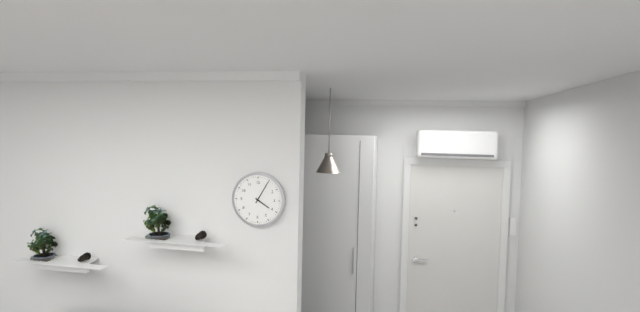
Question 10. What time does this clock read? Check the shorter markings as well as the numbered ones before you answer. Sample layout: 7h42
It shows 4h05
